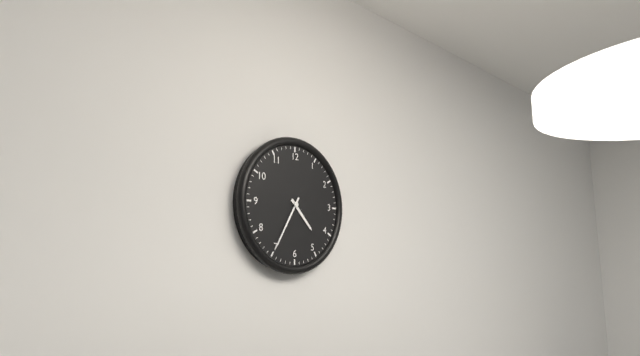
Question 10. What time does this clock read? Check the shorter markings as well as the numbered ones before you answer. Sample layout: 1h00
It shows 4h35
